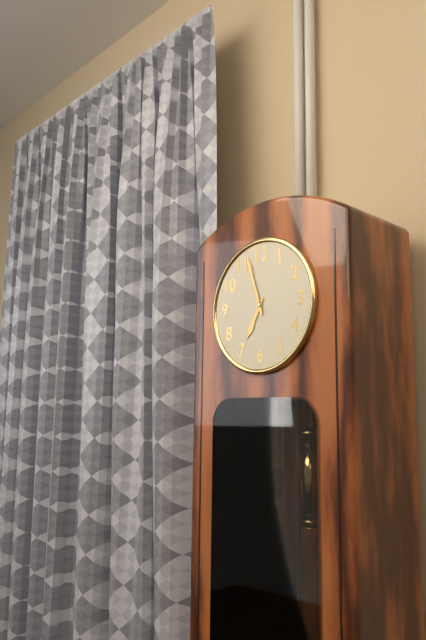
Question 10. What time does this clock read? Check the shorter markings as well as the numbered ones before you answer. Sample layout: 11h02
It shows 6h57
